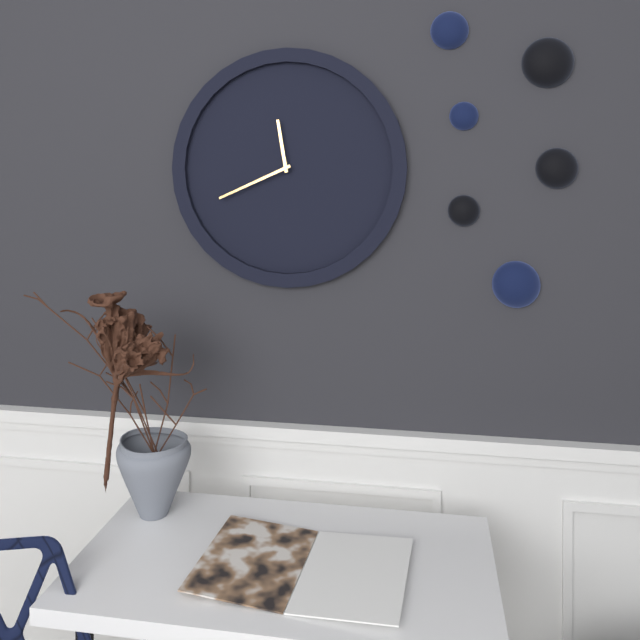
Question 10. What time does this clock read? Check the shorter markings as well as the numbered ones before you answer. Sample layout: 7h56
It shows 11h41
